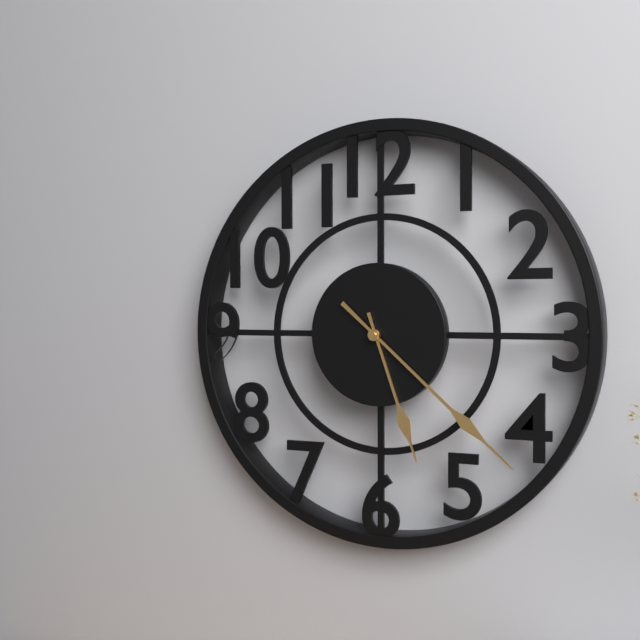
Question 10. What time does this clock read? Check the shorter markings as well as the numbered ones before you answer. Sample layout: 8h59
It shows 5h22
